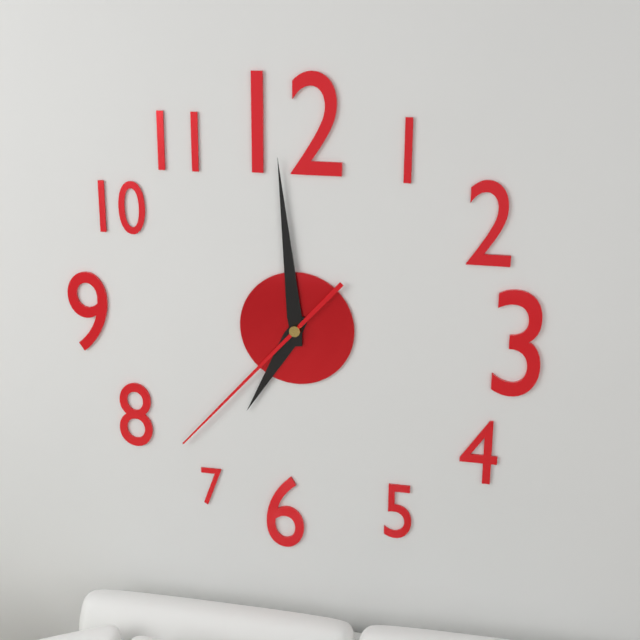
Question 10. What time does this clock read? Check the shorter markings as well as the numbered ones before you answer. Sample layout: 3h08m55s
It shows 6h59m37s
